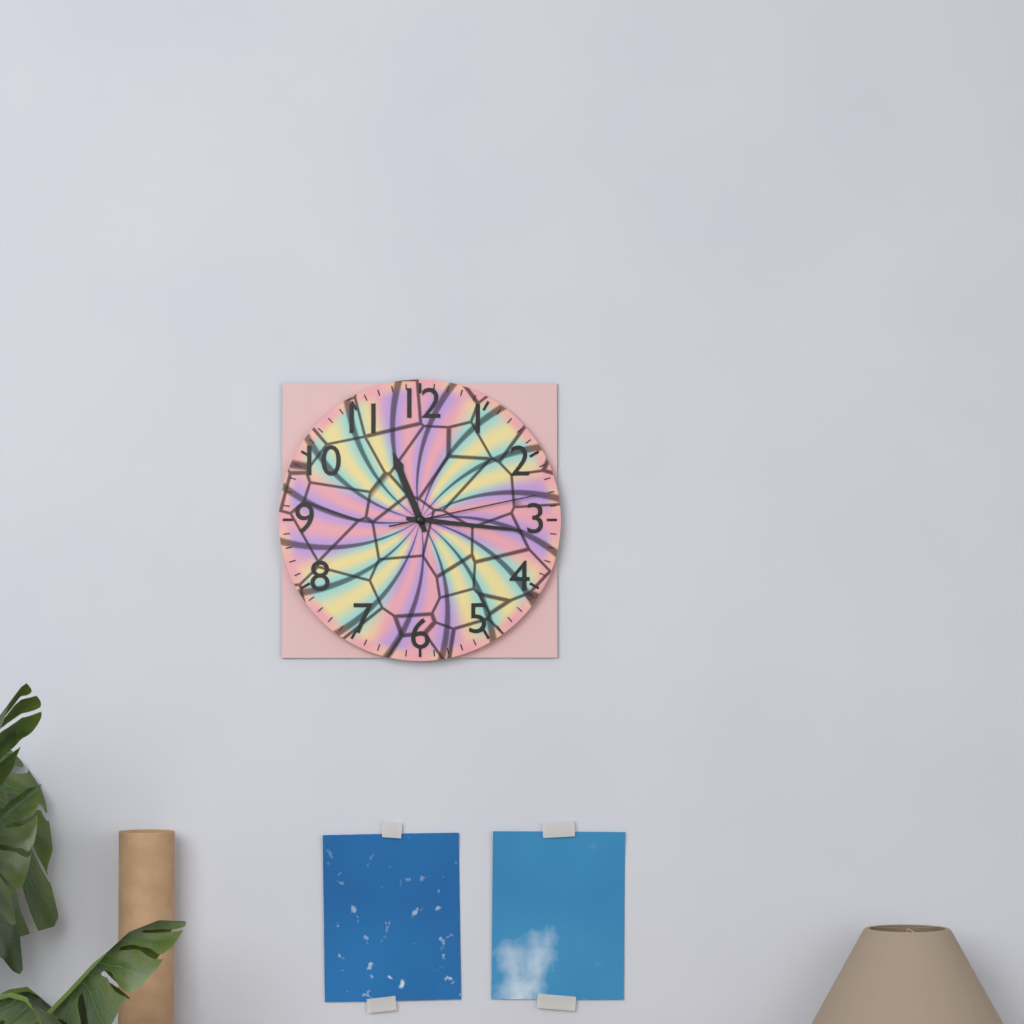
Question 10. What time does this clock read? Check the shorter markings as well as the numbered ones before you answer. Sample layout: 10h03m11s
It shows 11h16m13s
